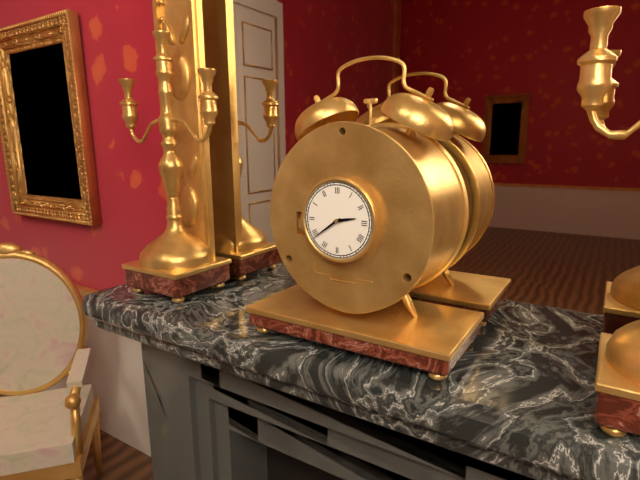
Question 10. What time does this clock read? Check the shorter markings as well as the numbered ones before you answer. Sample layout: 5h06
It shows 2h39
